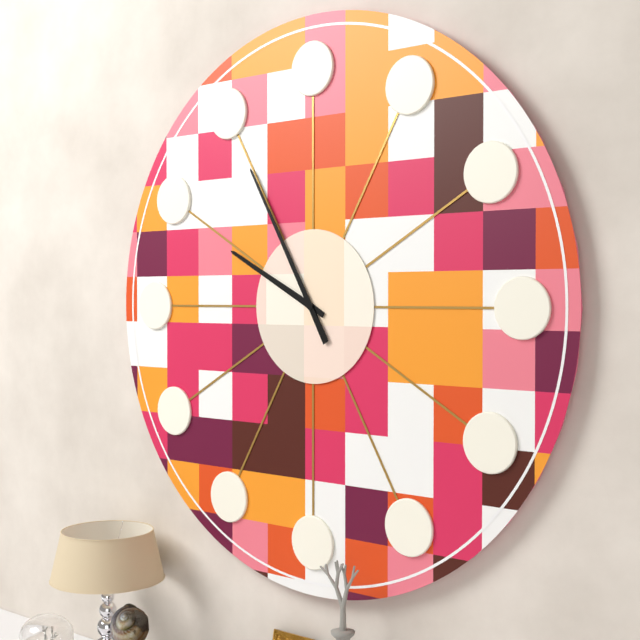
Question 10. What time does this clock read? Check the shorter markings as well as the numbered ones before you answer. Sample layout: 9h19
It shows 9h55
